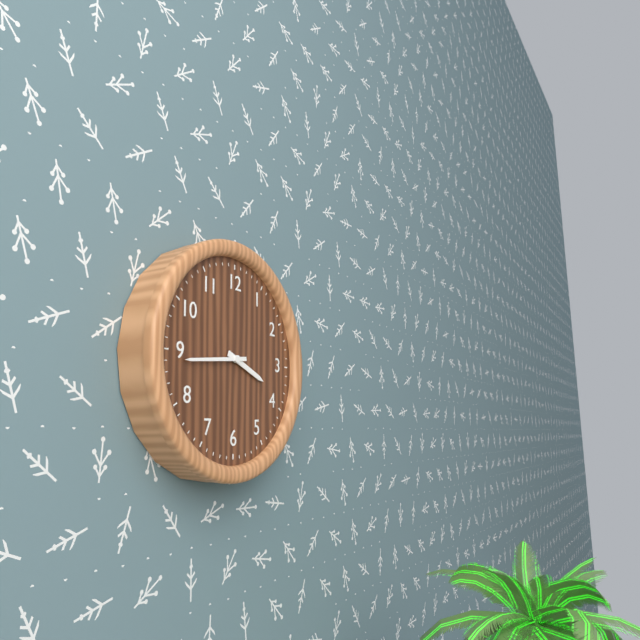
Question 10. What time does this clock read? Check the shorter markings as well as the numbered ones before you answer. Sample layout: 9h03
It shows 3h44
